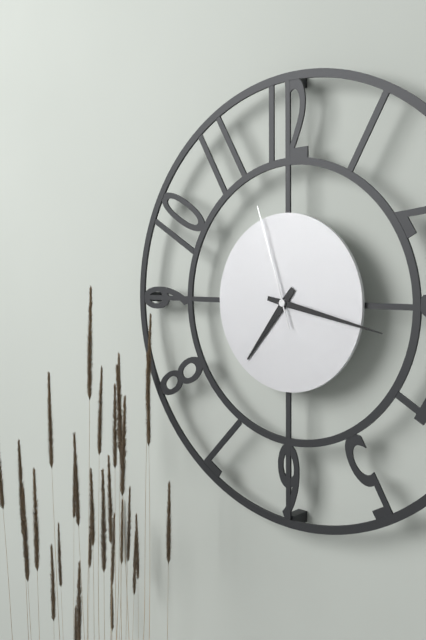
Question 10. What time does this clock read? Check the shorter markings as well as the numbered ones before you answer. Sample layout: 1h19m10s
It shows 7h17m57s
